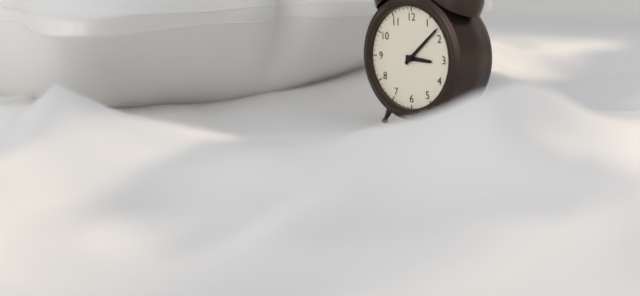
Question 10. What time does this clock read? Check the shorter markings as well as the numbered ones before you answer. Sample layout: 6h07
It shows 3h08
